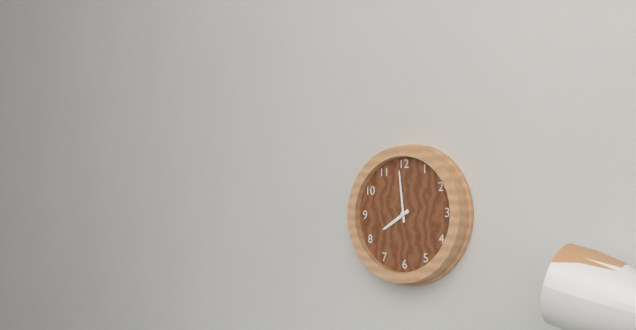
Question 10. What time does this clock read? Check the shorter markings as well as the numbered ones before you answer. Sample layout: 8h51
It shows 7h59
